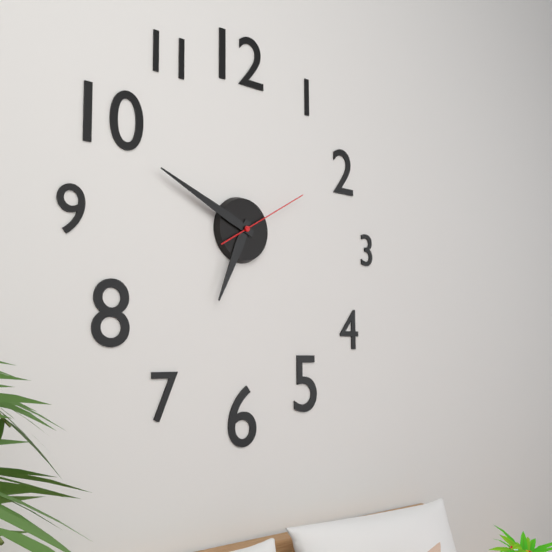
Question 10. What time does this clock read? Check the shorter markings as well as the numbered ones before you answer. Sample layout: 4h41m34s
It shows 6h49m10s
